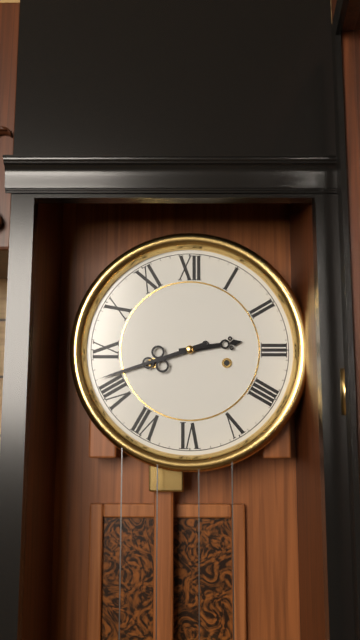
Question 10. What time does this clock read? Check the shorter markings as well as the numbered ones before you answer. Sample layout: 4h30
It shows 2h42
